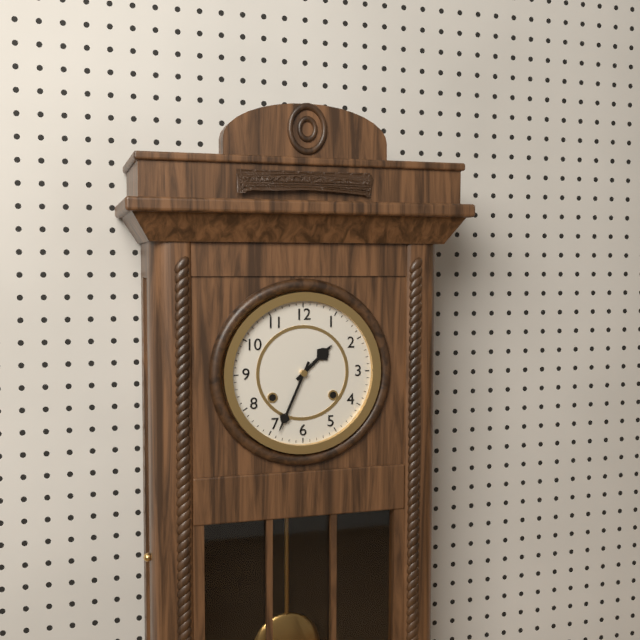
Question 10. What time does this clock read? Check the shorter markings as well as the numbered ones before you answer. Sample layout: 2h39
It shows 1h34
